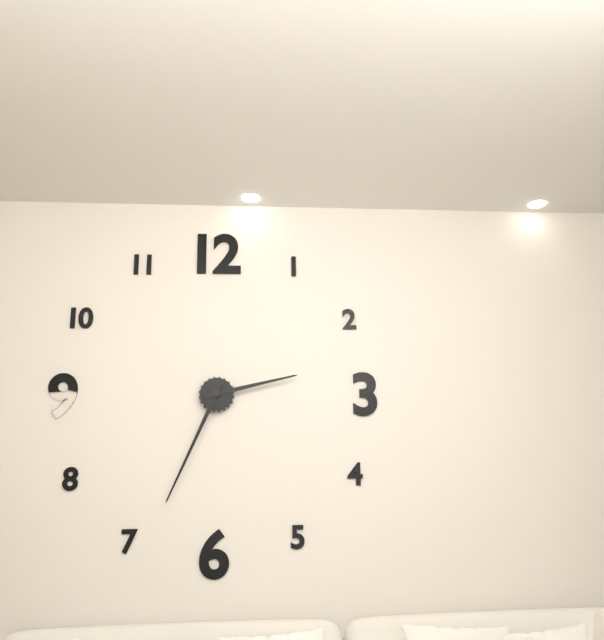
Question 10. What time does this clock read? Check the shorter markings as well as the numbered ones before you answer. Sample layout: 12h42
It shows 2h34
